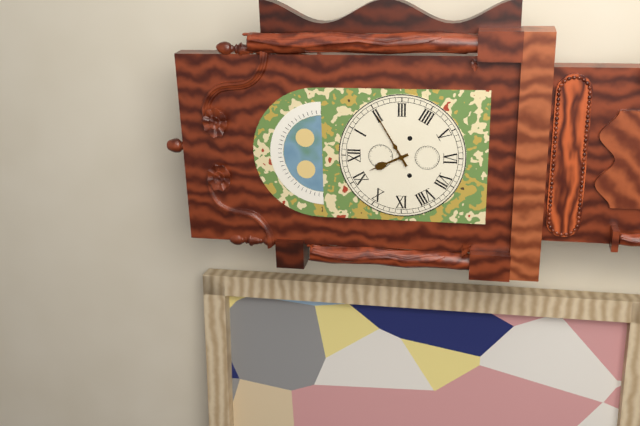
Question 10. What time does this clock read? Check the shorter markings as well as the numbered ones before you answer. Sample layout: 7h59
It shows 11h10
